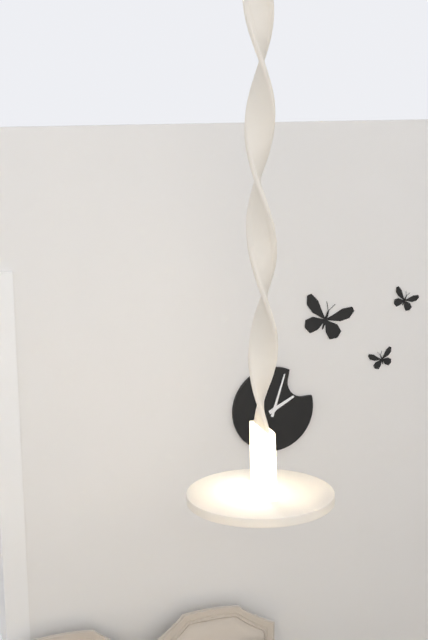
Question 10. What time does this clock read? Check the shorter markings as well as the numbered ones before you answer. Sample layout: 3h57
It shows 2h03
